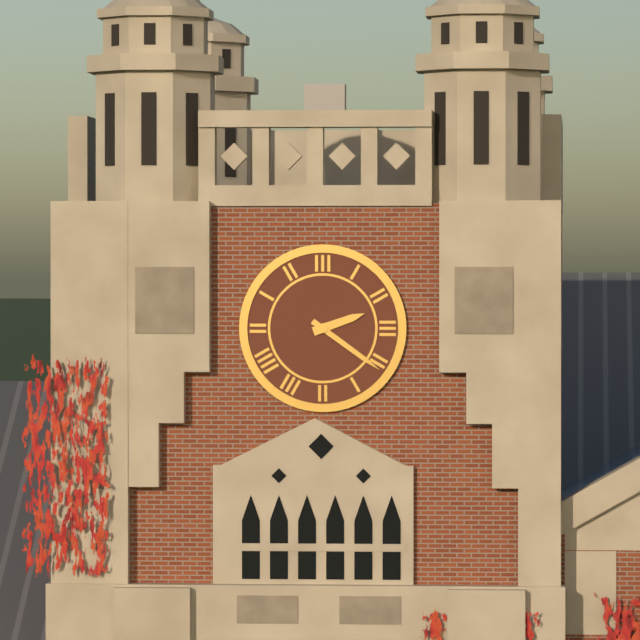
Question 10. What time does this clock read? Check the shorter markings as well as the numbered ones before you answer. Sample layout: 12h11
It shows 2h21
